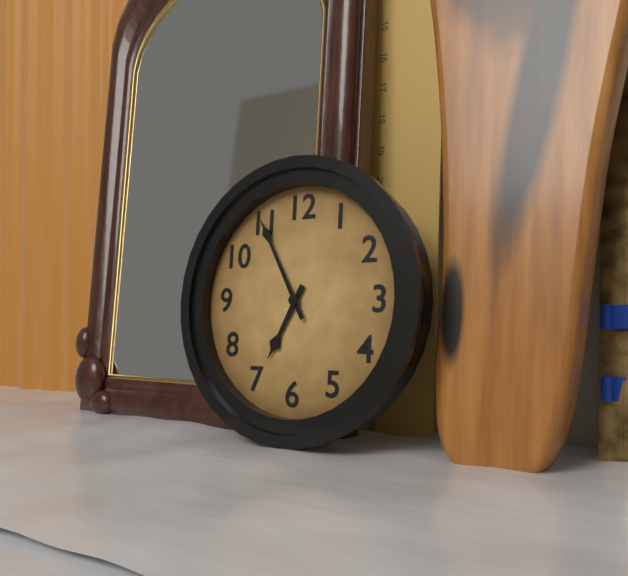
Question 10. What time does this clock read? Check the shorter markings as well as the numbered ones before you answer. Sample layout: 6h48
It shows 6h55
